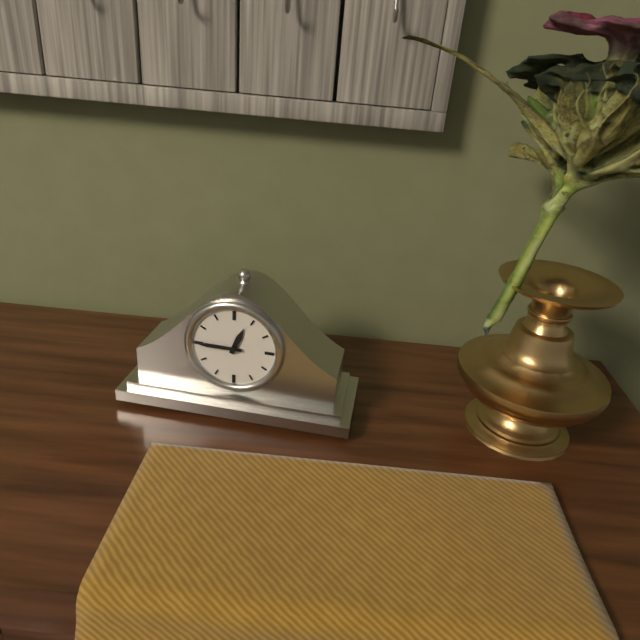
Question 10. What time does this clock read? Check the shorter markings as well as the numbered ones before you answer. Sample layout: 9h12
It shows 12h45
